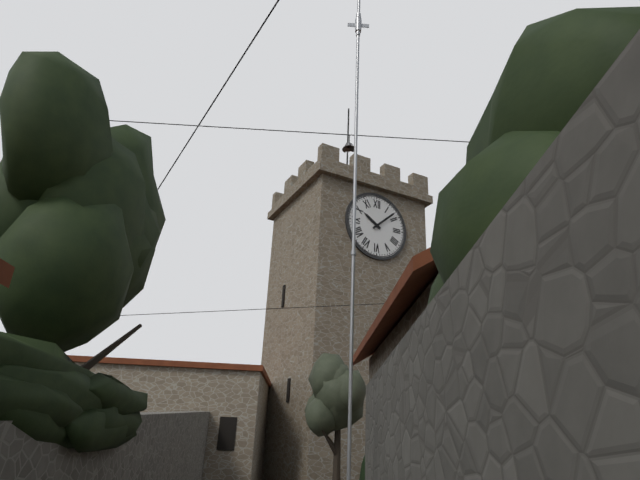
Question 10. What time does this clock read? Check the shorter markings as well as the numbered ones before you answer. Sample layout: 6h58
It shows 10h08
